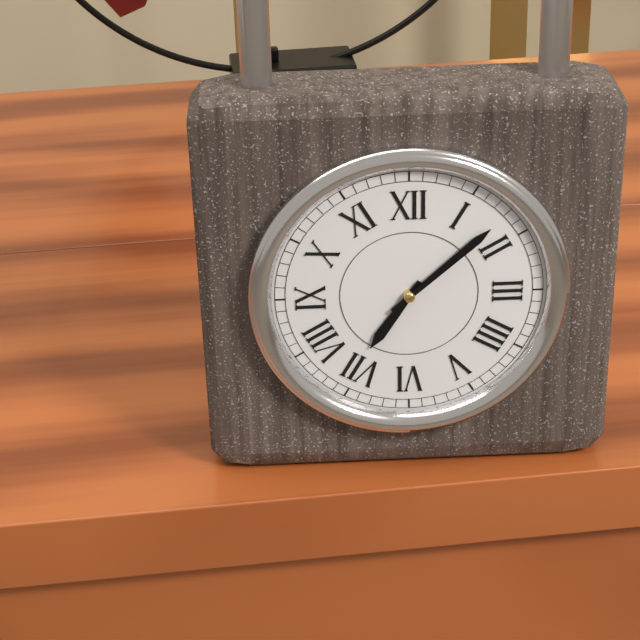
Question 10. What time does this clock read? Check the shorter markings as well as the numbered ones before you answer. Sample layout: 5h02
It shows 7h08
